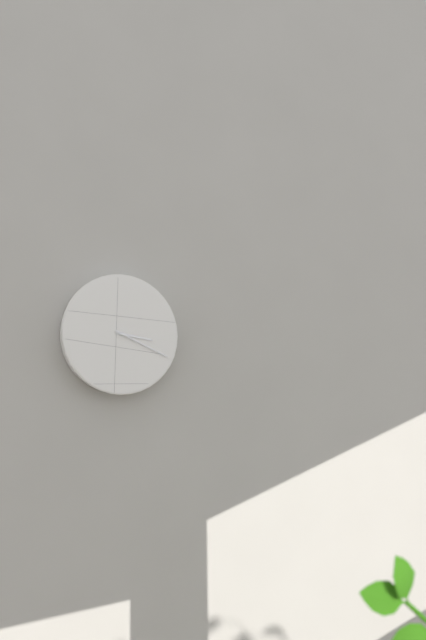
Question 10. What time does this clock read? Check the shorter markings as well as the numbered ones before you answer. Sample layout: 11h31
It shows 3h19
